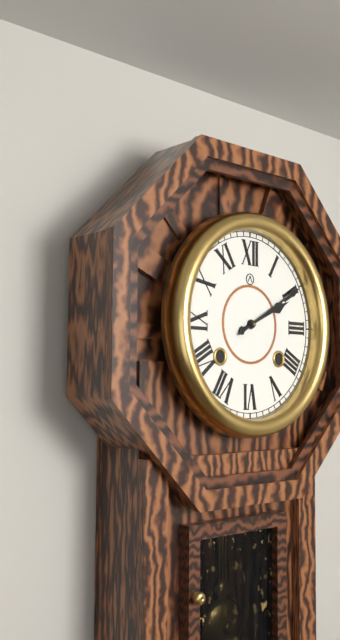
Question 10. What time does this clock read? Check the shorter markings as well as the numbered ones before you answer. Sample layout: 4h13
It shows 2h10
